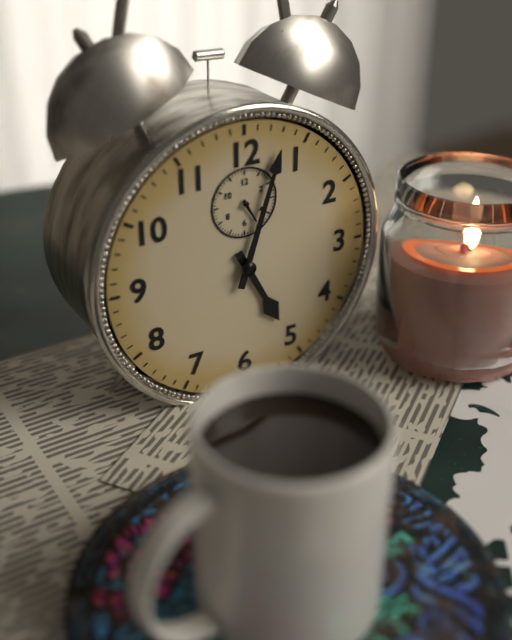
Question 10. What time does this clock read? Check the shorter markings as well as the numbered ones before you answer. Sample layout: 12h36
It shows 5h03
